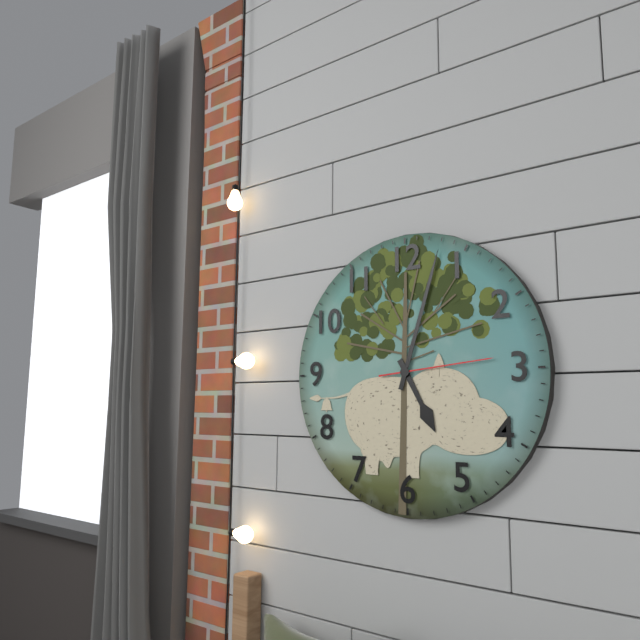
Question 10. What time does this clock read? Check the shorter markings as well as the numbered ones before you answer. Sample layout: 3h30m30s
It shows 5h03m14s
